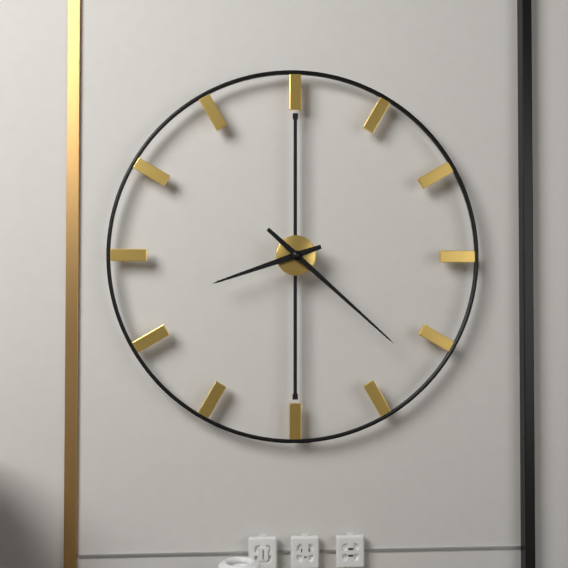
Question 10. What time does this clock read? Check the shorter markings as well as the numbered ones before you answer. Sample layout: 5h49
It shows 8h22
